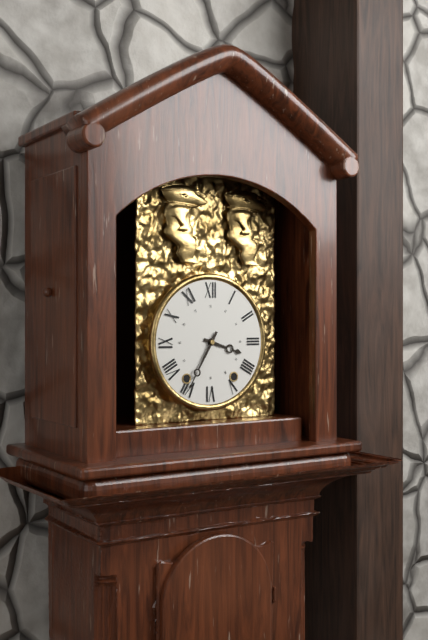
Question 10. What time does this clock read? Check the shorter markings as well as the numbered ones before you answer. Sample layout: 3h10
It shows 3h35
